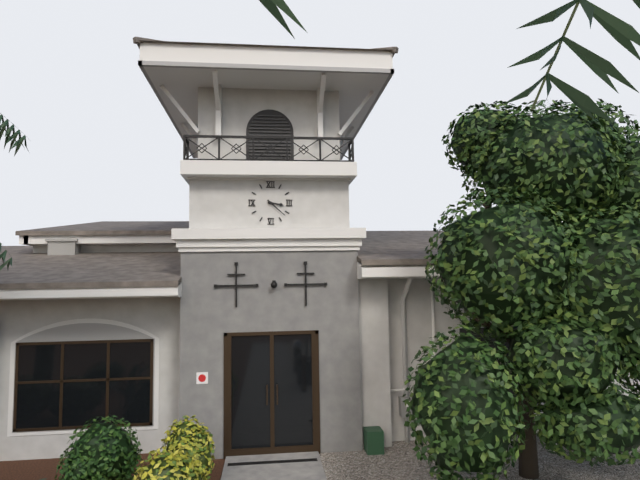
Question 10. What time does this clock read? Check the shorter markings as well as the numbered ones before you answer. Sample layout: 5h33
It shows 3h22
